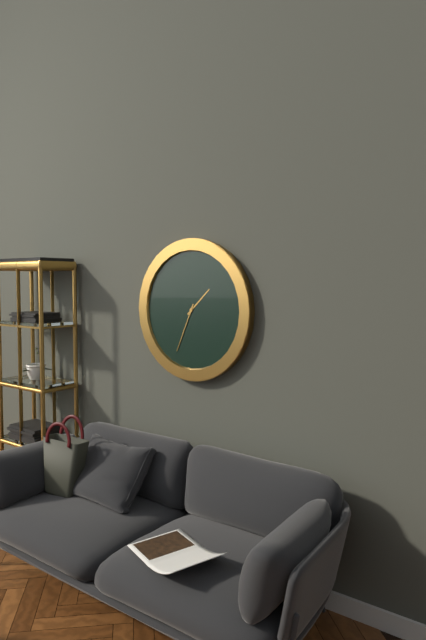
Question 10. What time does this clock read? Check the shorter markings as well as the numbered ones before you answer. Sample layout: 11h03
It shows 1h34
